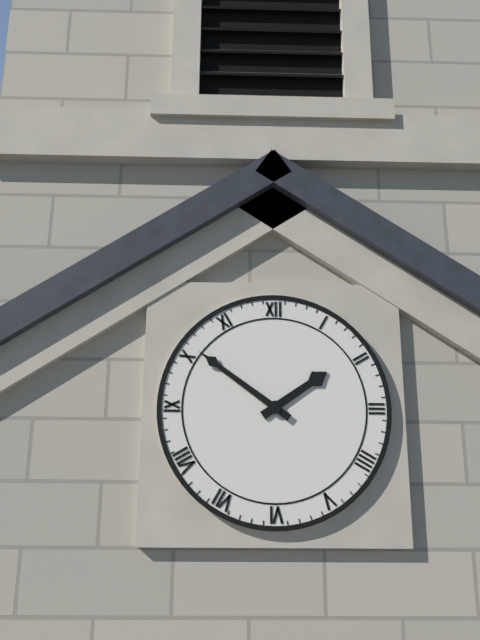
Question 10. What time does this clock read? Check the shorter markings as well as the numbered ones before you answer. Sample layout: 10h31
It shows 1h51
